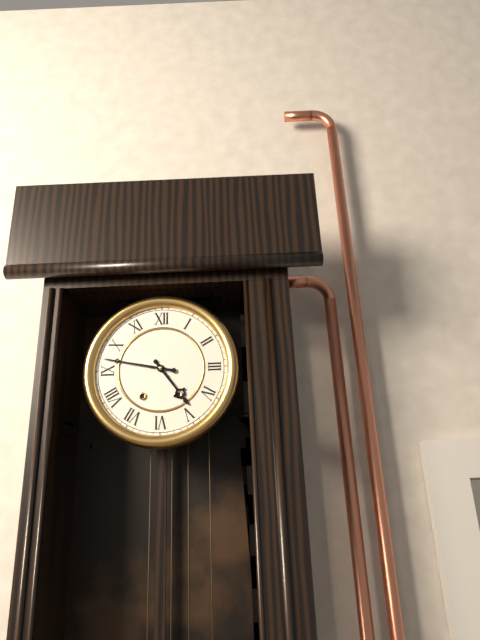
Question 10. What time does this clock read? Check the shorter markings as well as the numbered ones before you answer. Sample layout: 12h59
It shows 4h47
